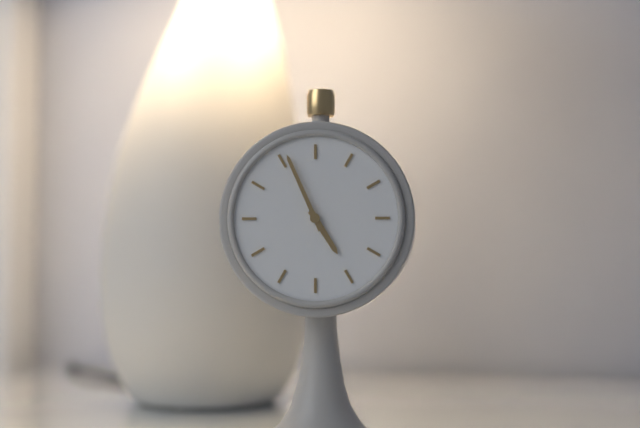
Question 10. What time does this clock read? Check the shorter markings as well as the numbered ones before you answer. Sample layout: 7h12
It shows 4h56
